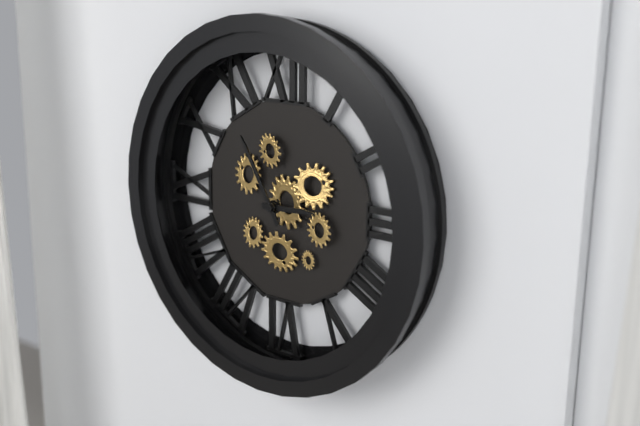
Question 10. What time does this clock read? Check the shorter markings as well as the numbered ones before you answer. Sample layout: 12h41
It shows 2h55
